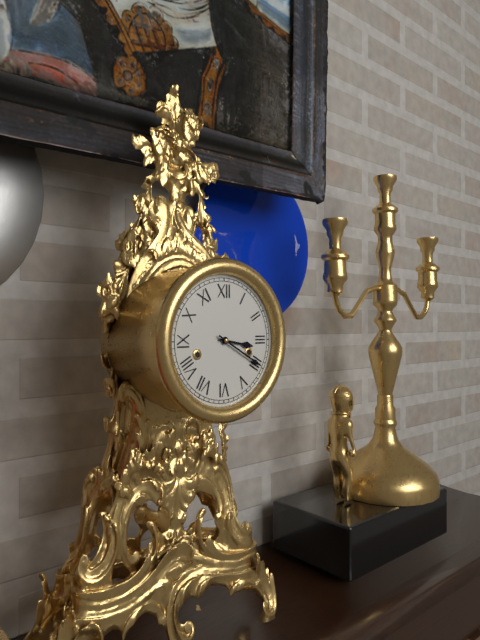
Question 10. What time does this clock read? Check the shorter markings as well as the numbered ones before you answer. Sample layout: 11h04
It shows 3h20
